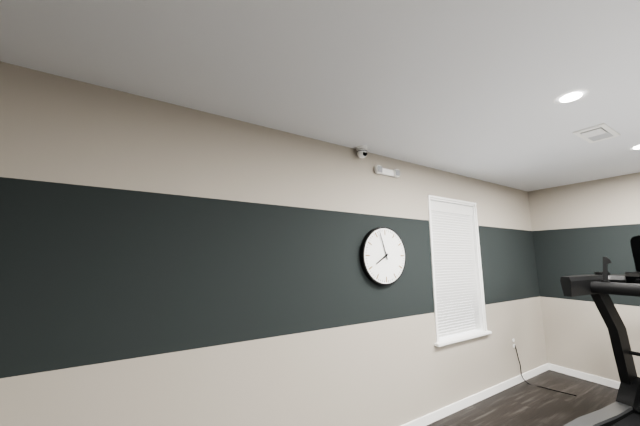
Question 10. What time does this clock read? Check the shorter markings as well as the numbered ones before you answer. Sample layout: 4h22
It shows 7h57
